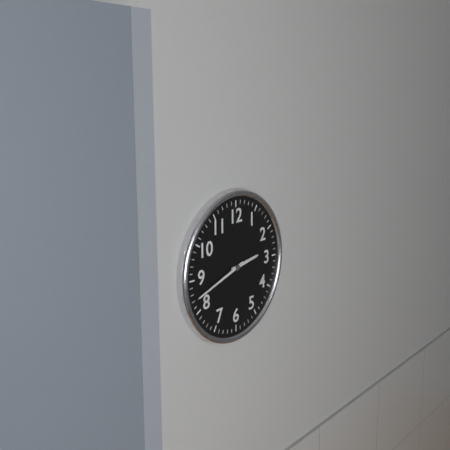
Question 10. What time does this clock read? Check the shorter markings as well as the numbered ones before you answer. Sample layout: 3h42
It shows 2h42
